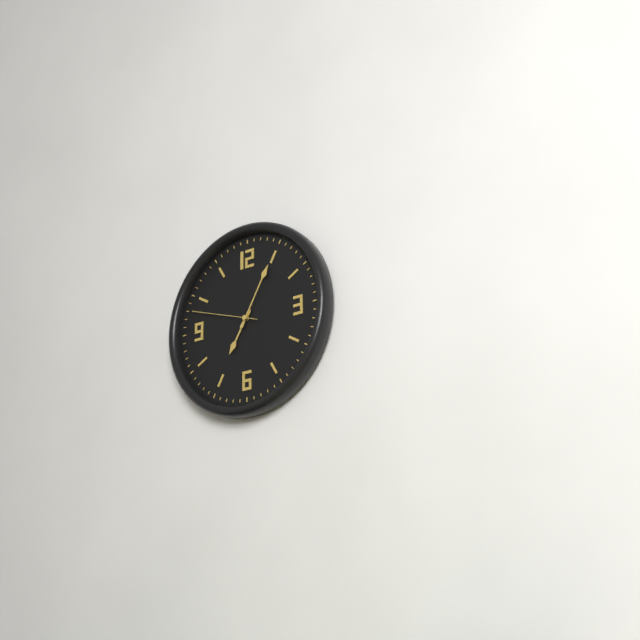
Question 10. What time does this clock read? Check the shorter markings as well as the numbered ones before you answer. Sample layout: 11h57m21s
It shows 7h05m48s
